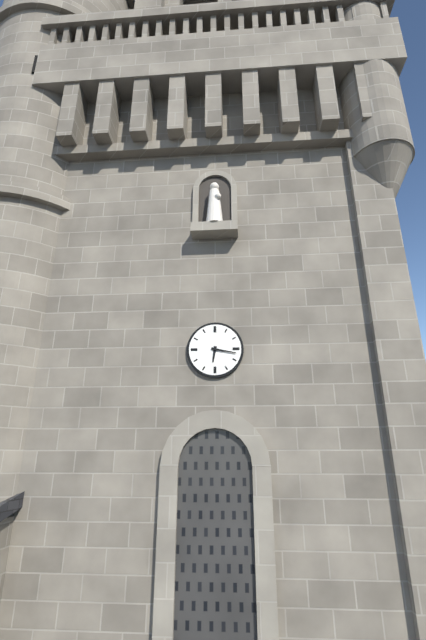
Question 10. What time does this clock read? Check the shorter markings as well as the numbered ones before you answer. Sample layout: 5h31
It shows 6h17
